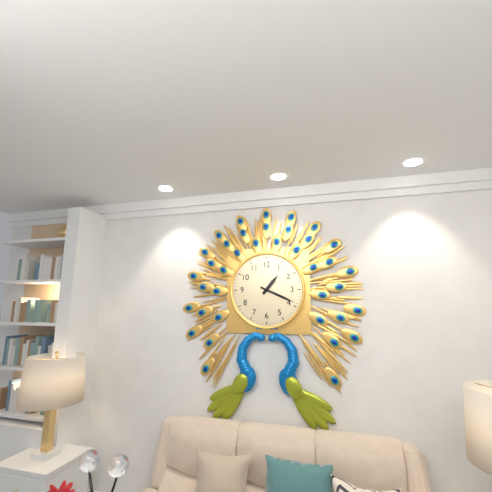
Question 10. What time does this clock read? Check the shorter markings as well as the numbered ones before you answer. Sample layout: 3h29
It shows 1h19
